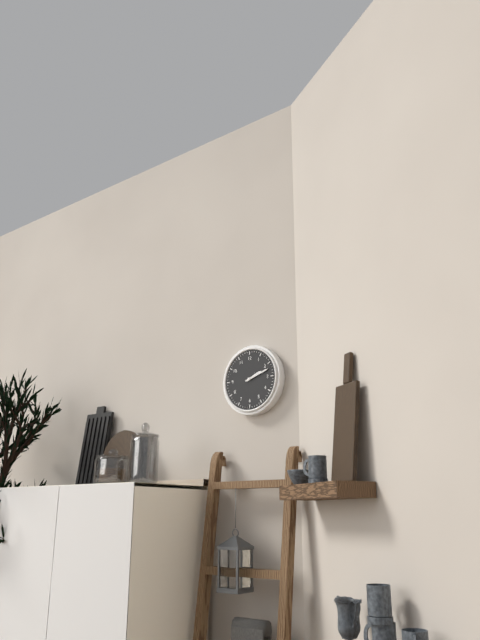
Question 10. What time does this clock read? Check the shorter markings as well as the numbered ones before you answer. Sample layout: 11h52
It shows 2h12
